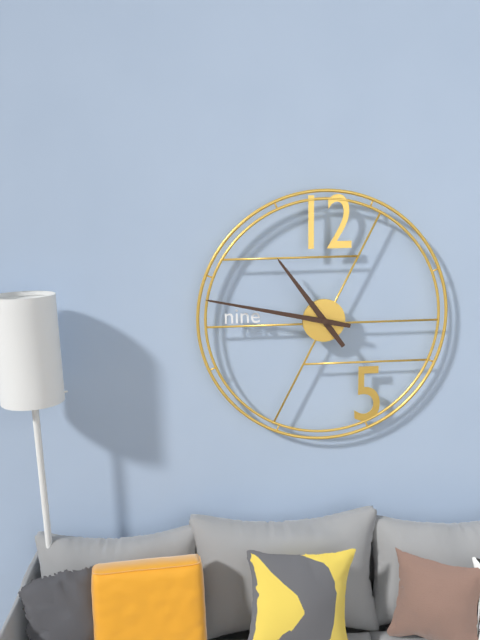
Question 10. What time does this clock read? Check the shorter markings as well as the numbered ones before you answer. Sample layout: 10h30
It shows 10h47
